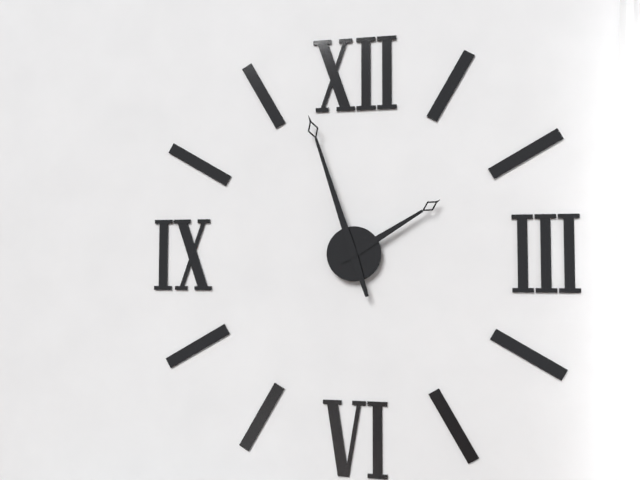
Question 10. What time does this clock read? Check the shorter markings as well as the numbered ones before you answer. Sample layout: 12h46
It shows 1h57
